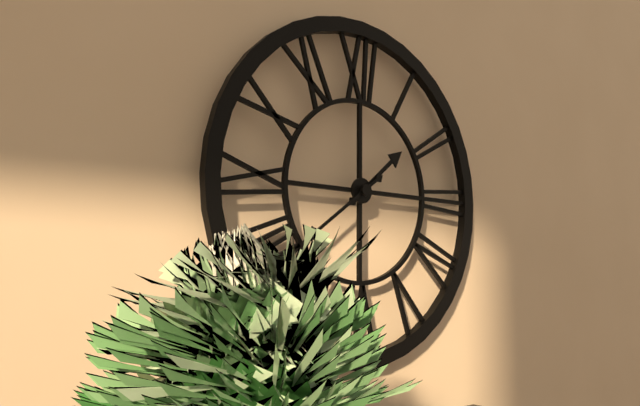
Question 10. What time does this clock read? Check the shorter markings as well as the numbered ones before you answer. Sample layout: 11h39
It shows 1h39
